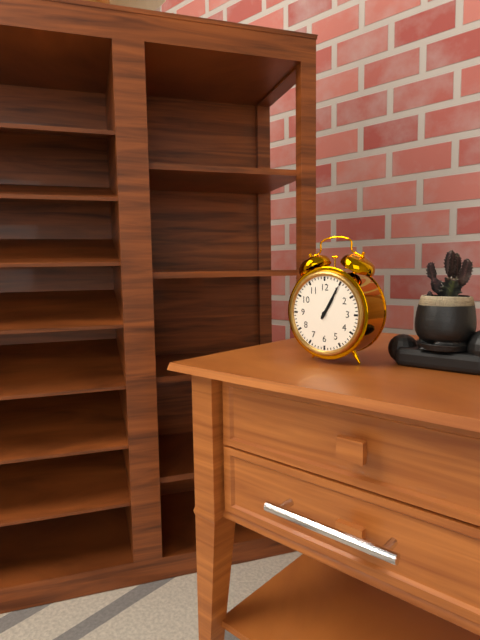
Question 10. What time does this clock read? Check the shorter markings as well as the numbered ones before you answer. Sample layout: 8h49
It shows 1h05
